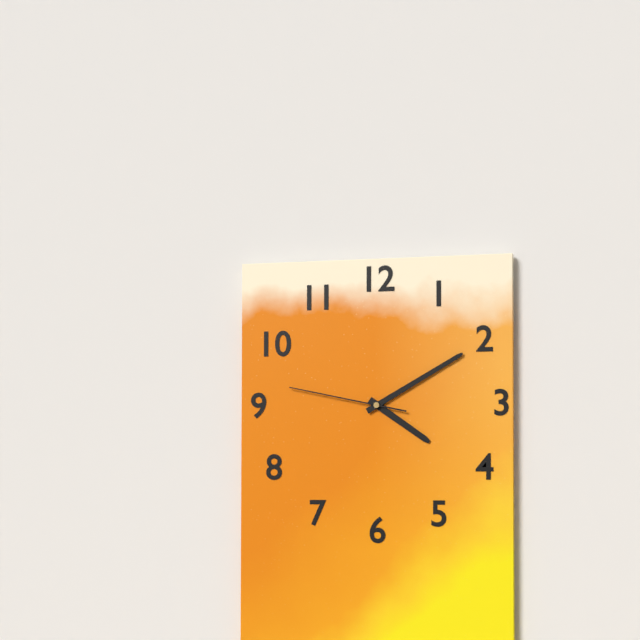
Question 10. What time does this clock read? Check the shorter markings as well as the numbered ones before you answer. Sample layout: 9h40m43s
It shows 4h10m47s
